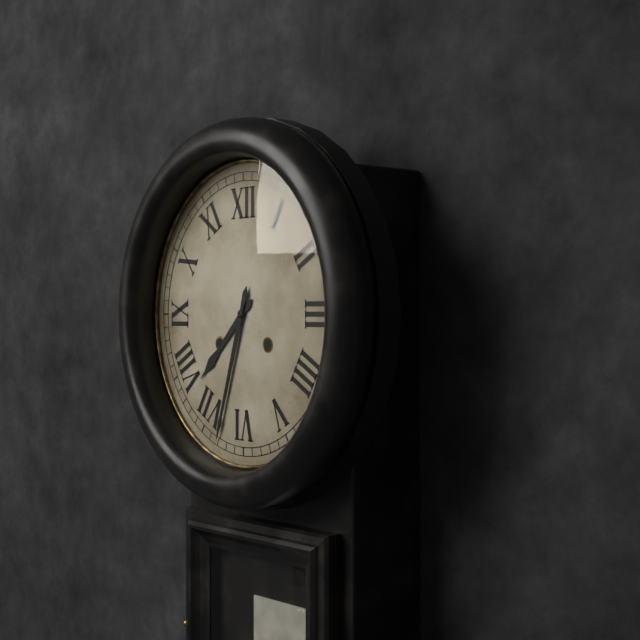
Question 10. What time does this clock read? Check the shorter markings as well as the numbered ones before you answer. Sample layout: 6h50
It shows 7h33
